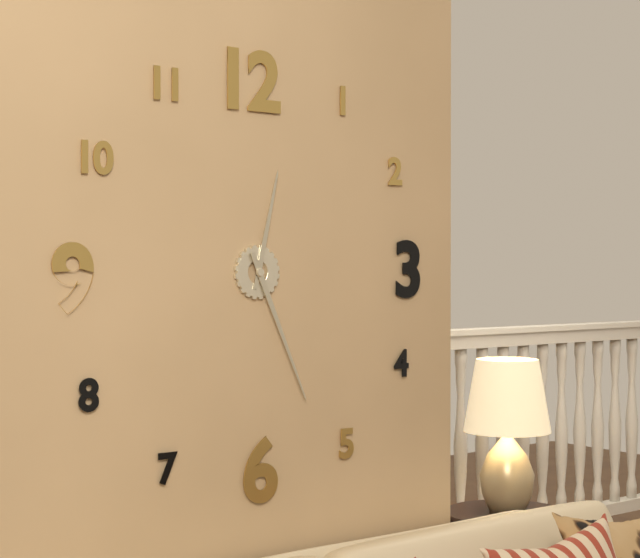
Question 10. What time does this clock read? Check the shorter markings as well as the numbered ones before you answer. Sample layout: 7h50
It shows 12h26
